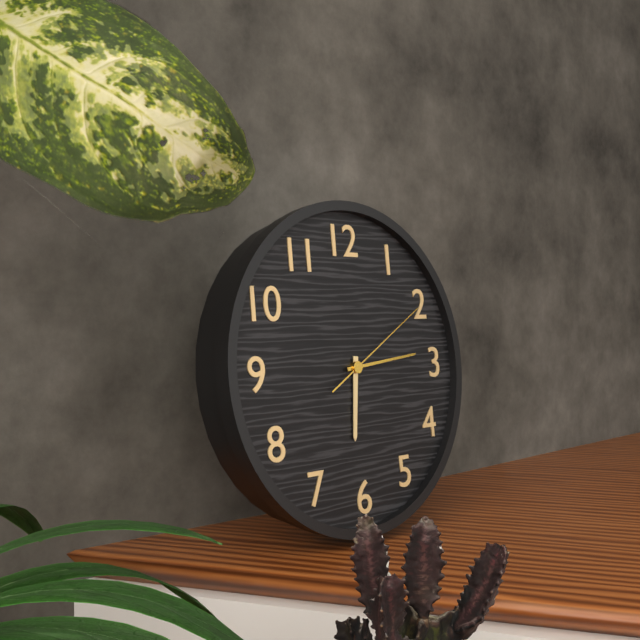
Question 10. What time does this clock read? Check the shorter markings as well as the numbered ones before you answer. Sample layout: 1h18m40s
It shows 6h14m10s
